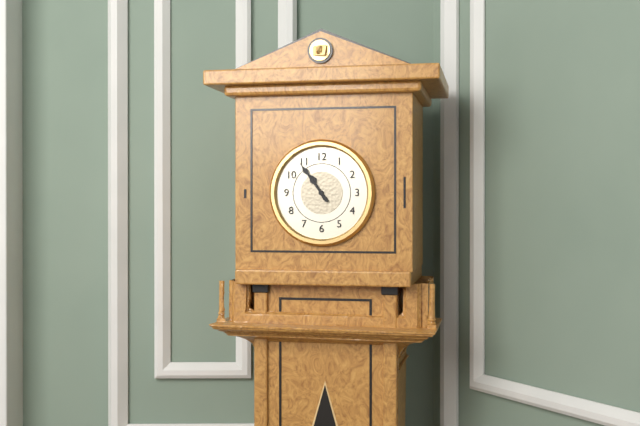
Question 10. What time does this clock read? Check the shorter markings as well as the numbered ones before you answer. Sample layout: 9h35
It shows 10h54
